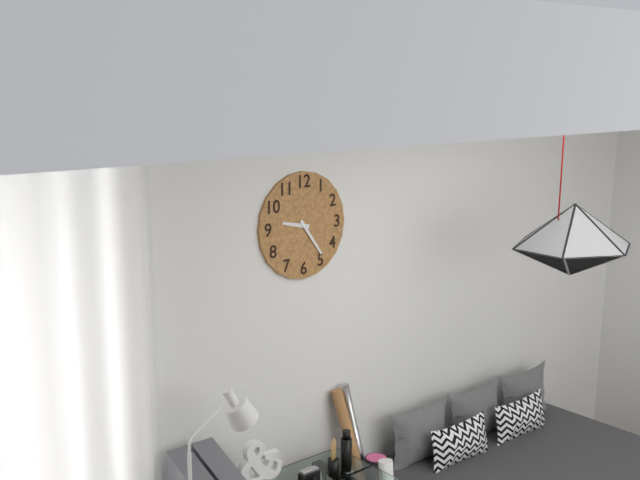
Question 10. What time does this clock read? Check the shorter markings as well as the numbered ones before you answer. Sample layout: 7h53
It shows 9h24
